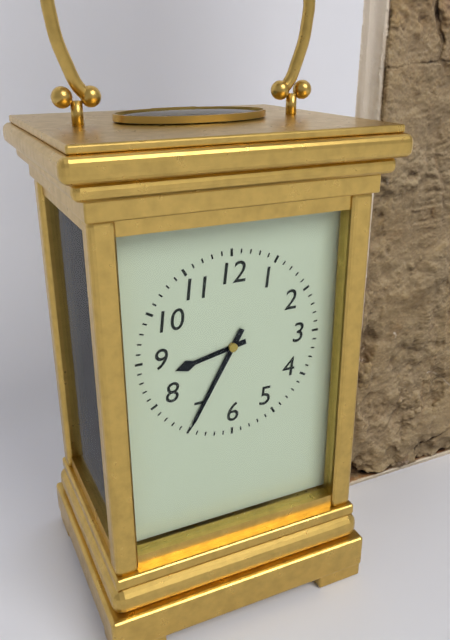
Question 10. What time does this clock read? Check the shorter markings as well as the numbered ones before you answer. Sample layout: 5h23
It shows 8h35
